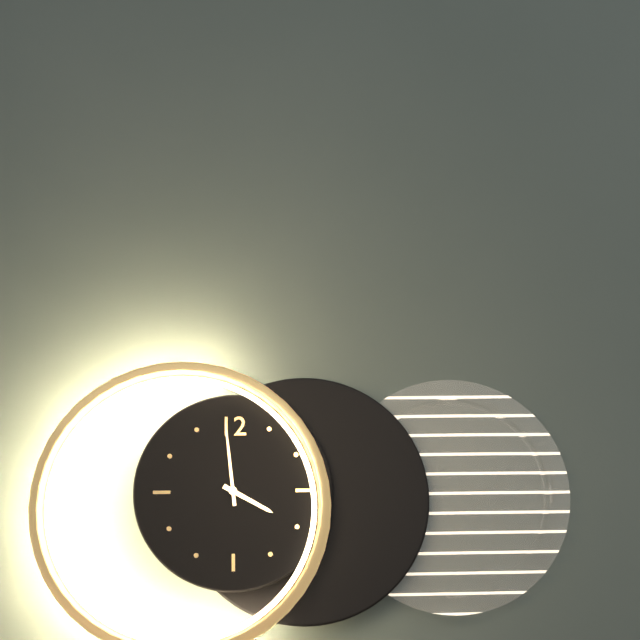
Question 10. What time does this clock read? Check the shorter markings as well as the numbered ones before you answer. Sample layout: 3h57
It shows 3h59
